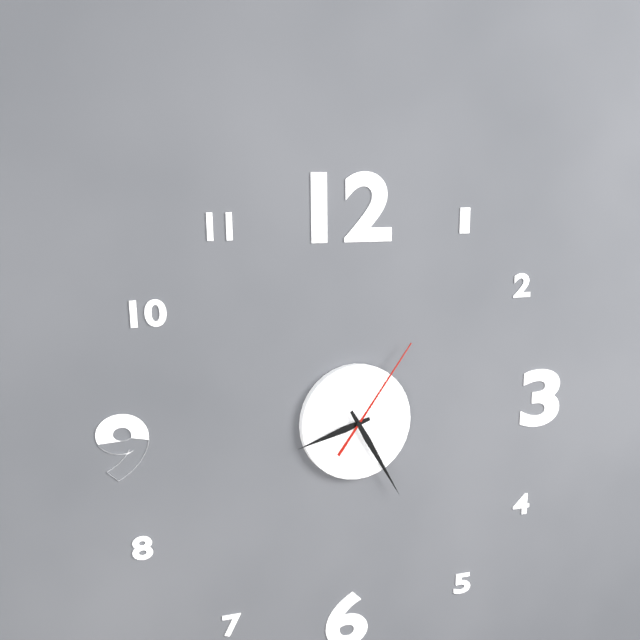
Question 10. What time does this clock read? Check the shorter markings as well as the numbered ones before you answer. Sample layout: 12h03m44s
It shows 8h25m06s
